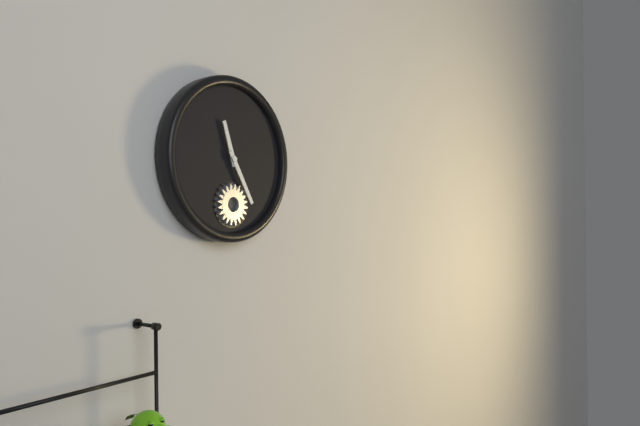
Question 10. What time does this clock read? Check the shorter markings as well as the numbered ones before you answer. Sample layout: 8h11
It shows 11h25
